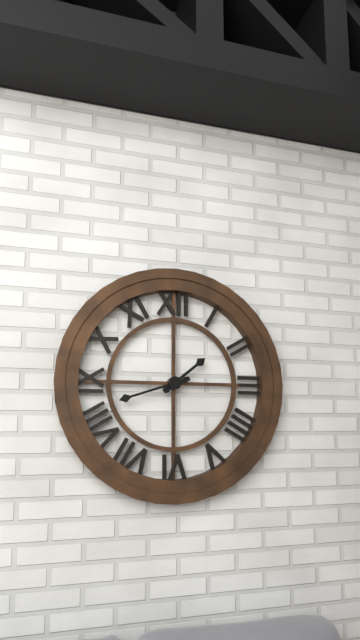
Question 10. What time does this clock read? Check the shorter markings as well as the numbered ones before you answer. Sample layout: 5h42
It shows 1h42
